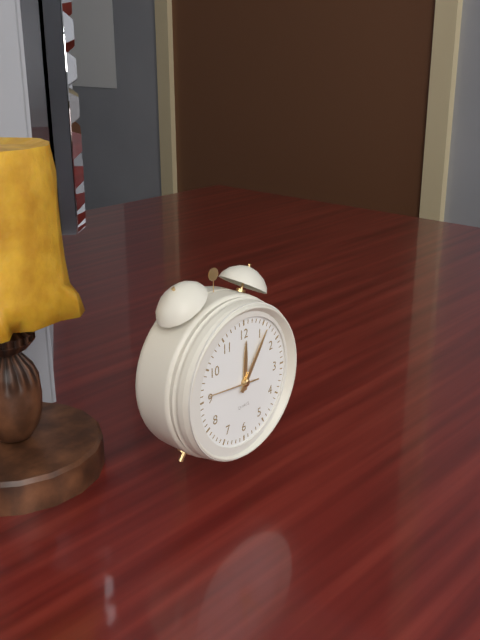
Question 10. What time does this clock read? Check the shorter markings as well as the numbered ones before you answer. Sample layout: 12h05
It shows 12h06
